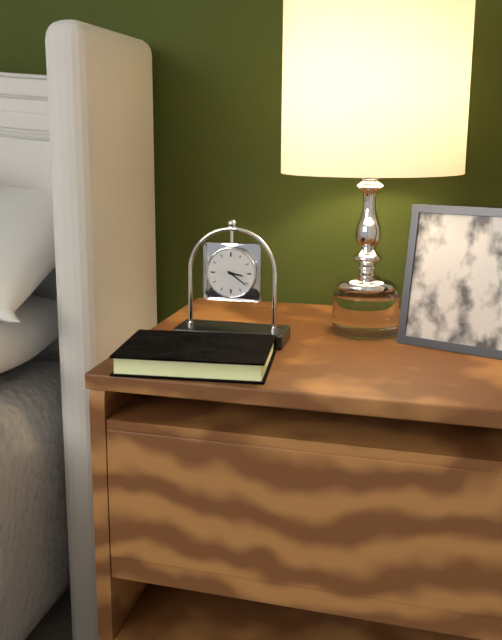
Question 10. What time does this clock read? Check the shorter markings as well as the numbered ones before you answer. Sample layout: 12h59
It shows 3h21
